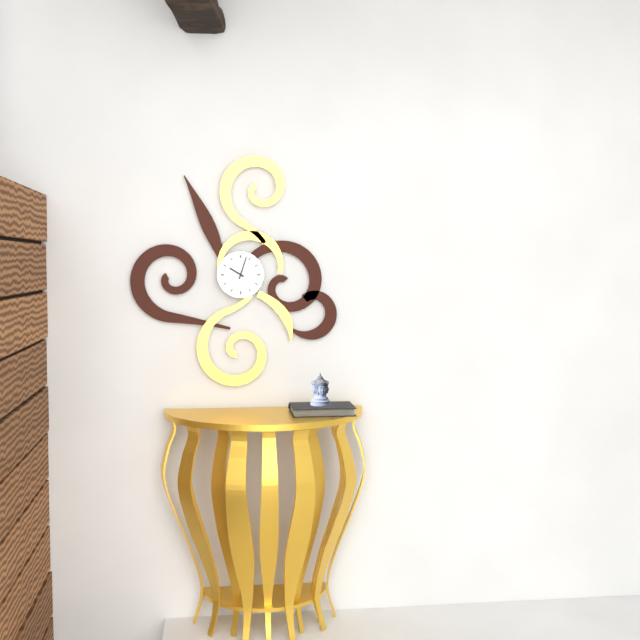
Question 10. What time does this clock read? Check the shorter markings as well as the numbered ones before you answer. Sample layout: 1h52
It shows 10h03
